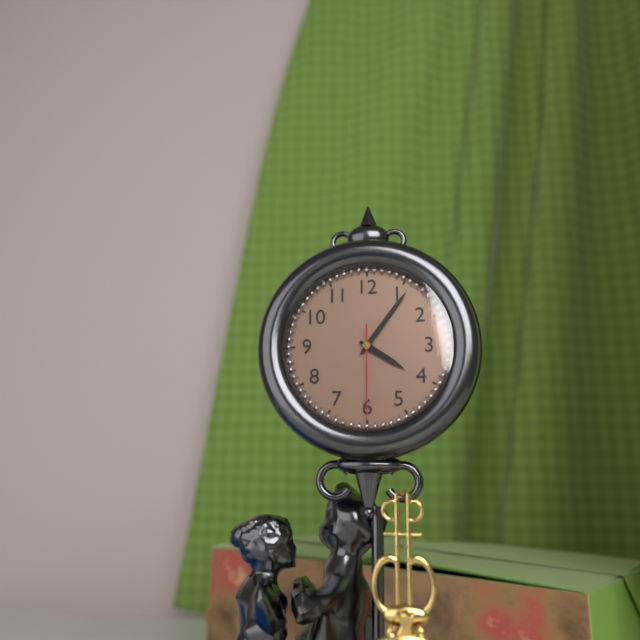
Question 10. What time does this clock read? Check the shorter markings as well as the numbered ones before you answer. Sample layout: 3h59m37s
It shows 4h06m30s
